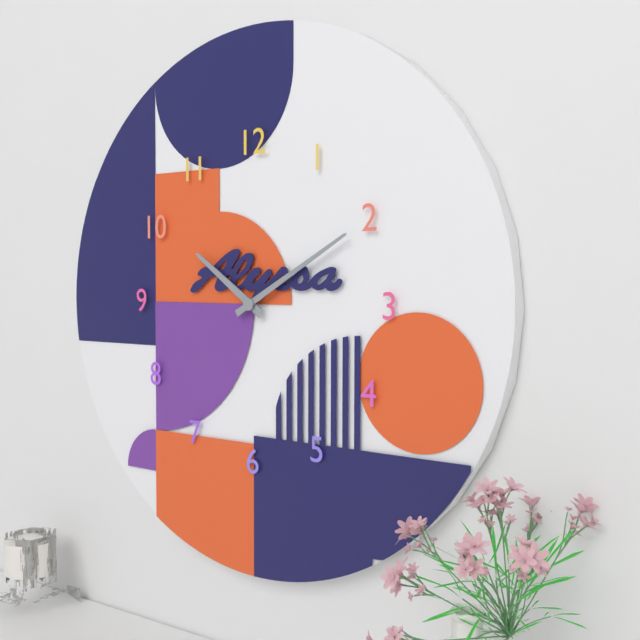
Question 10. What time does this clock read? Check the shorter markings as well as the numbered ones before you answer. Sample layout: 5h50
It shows 10h10
